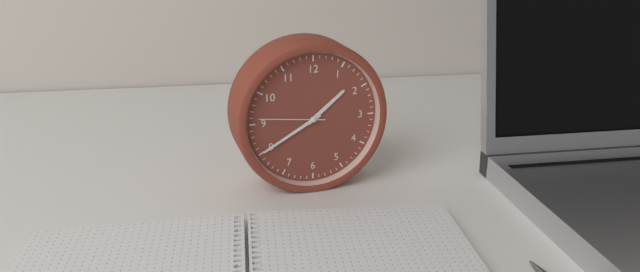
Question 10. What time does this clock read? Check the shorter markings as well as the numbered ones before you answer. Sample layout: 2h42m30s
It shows 1h40m46s
